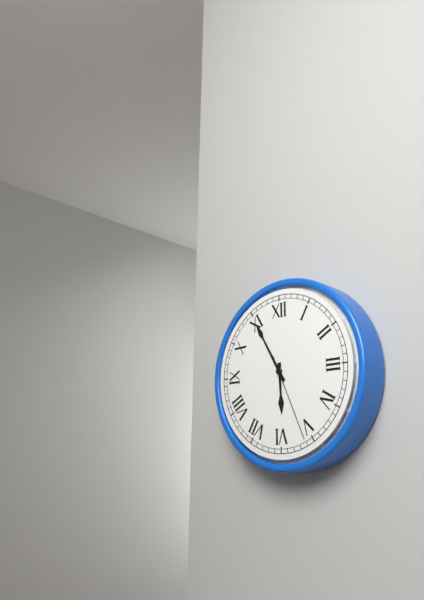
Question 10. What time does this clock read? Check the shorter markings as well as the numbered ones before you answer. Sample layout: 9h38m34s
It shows 5h55m26s
